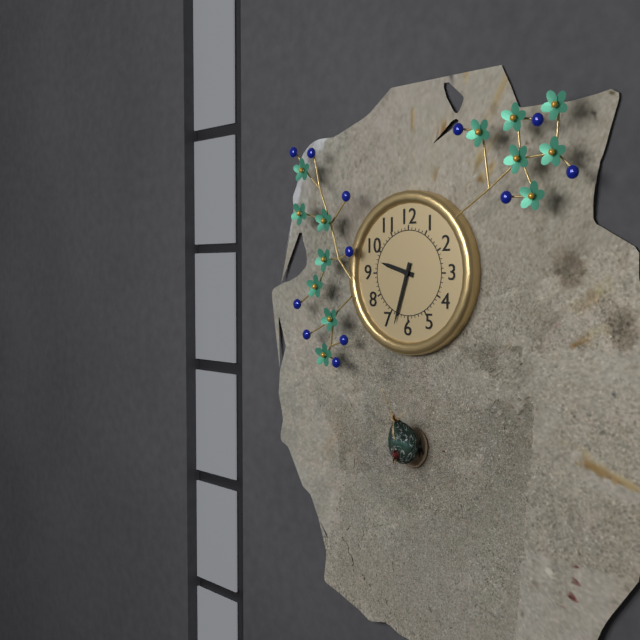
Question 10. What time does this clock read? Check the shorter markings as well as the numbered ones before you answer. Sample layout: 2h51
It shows 9h33
